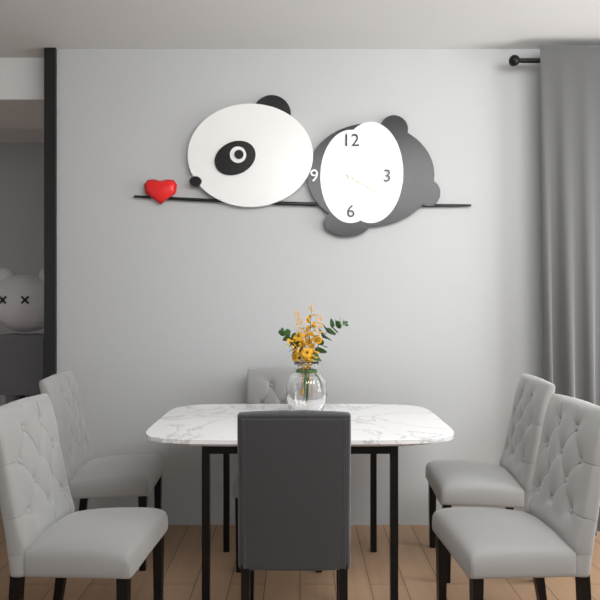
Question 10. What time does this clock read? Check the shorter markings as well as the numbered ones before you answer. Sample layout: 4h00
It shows 12h20
